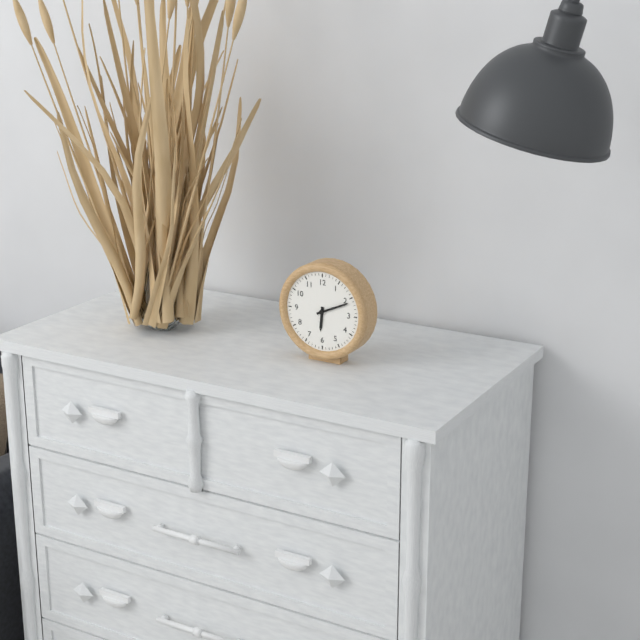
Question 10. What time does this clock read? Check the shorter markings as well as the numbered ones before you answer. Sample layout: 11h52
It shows 6h11
